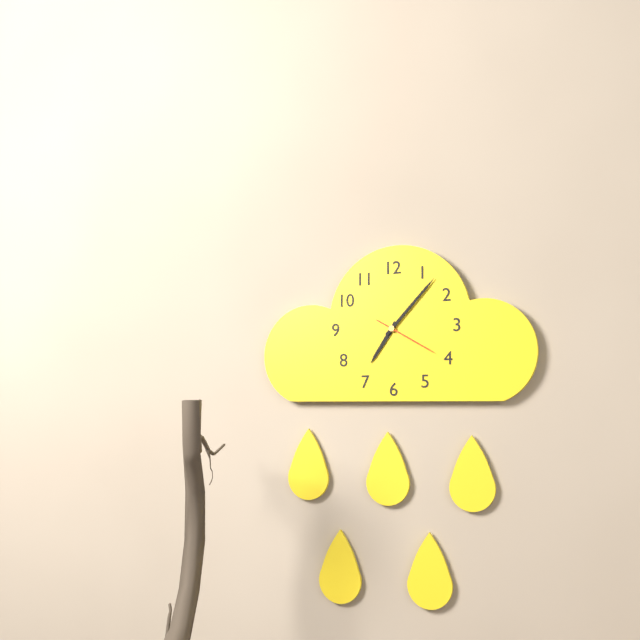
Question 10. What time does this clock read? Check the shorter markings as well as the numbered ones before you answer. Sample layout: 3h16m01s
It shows 7h07m20s
